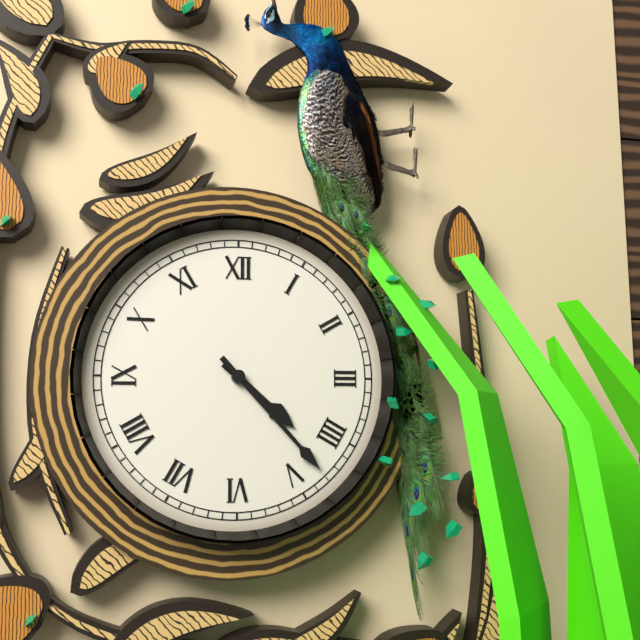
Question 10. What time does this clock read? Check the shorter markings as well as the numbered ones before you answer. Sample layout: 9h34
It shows 4h23
